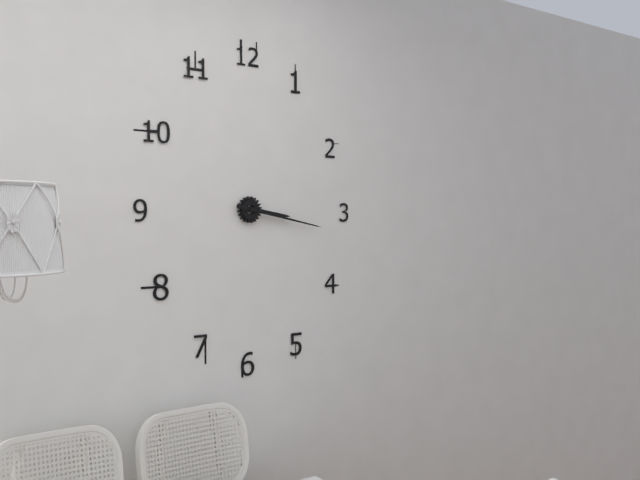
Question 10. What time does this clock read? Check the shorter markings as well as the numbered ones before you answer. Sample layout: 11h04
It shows 3h17
